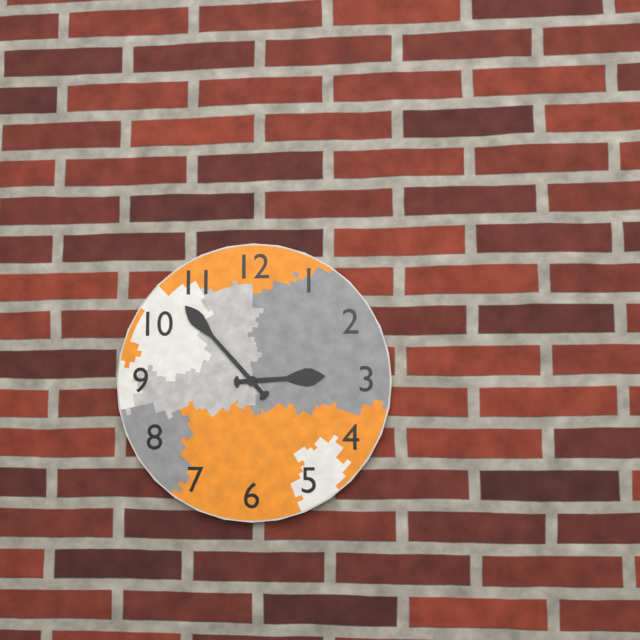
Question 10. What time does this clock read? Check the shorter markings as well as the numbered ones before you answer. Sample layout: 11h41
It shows 2h53
